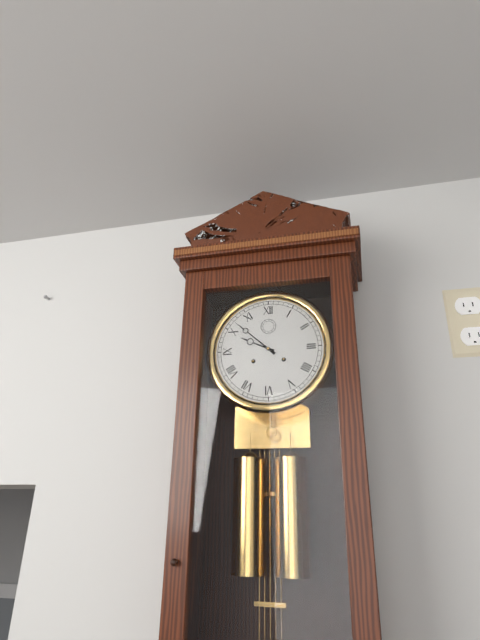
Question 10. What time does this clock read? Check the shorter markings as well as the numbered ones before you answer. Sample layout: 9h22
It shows 9h52
